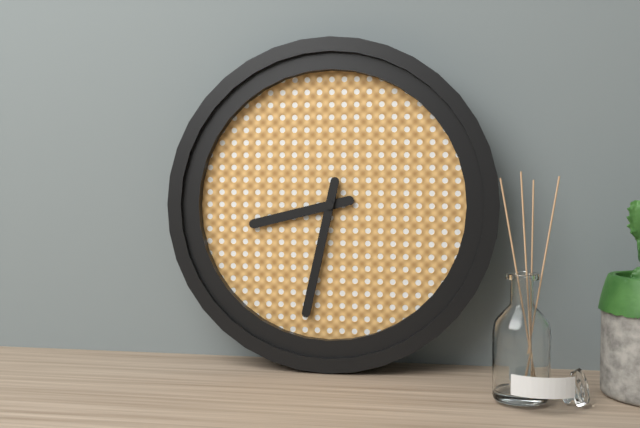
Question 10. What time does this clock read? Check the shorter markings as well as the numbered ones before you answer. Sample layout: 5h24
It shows 8h32
